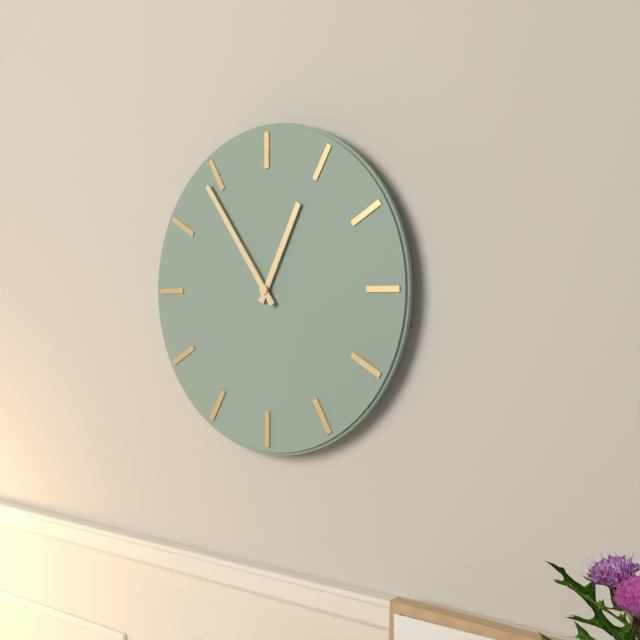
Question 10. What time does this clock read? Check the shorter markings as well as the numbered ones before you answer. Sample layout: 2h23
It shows 12h54
